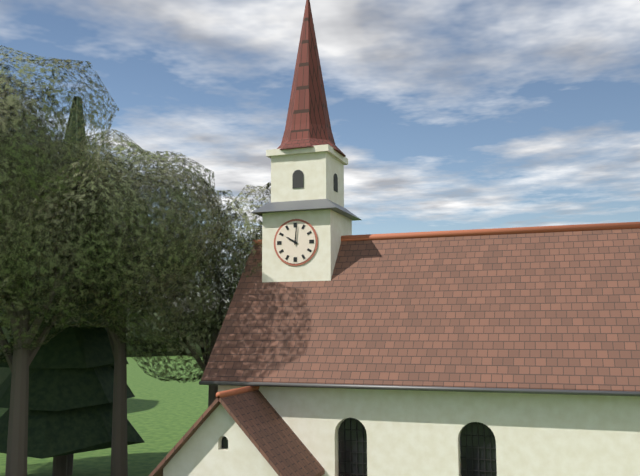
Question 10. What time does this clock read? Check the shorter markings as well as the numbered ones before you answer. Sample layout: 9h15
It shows 10h01
